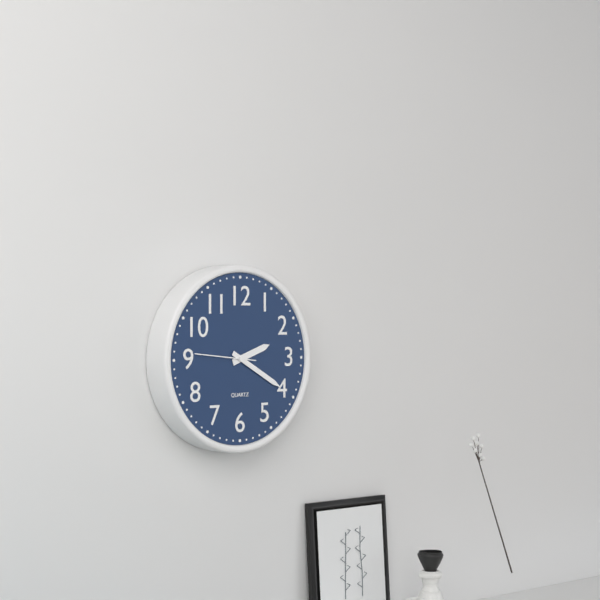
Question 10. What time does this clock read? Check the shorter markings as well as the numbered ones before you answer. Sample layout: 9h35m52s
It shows 2h20m46s
